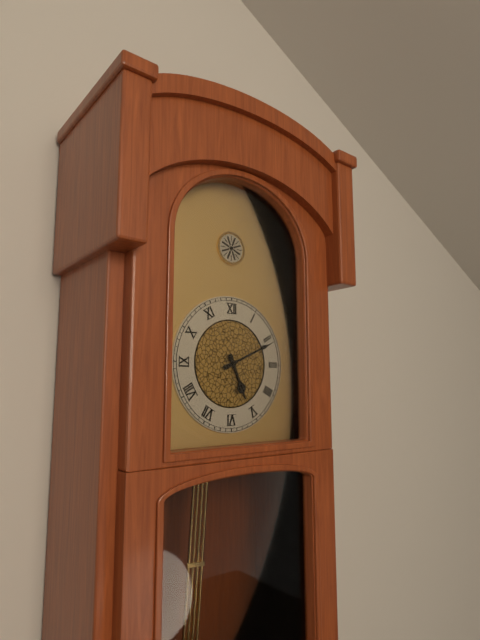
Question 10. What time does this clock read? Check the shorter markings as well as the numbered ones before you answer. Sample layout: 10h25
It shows 5h11
